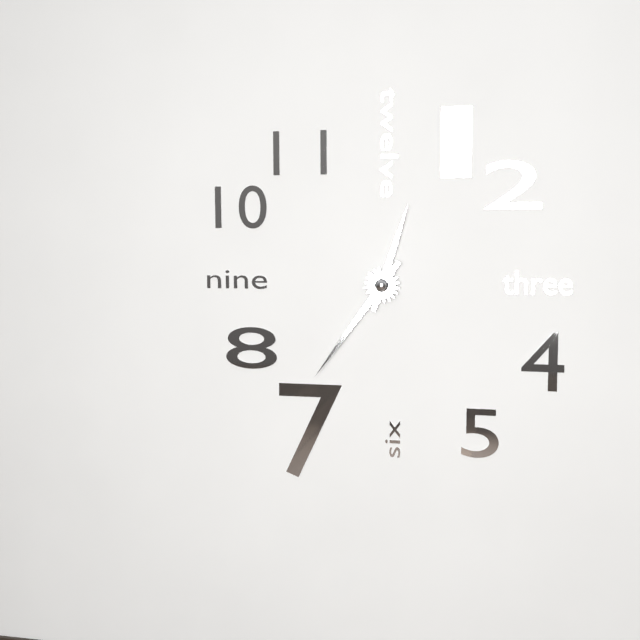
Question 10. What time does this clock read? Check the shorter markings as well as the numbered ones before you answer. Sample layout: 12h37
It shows 12h36
